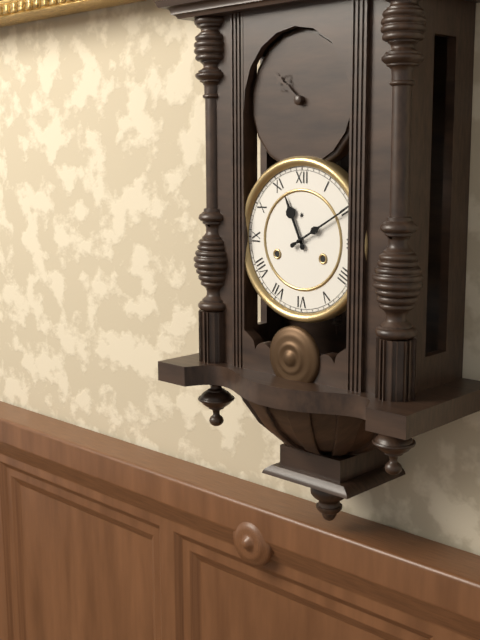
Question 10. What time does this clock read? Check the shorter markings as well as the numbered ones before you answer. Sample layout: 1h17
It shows 11h10
